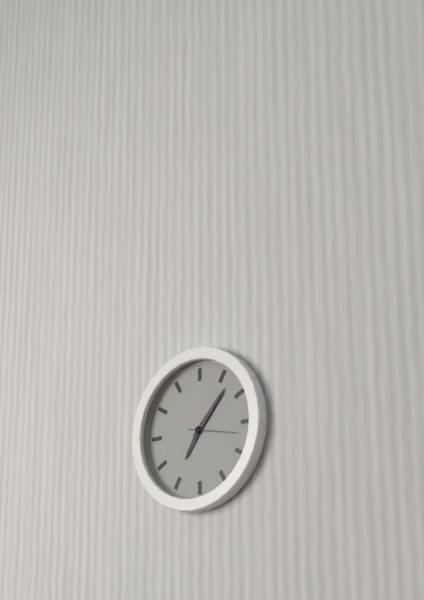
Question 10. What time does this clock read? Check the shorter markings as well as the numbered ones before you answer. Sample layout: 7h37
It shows 7h07
